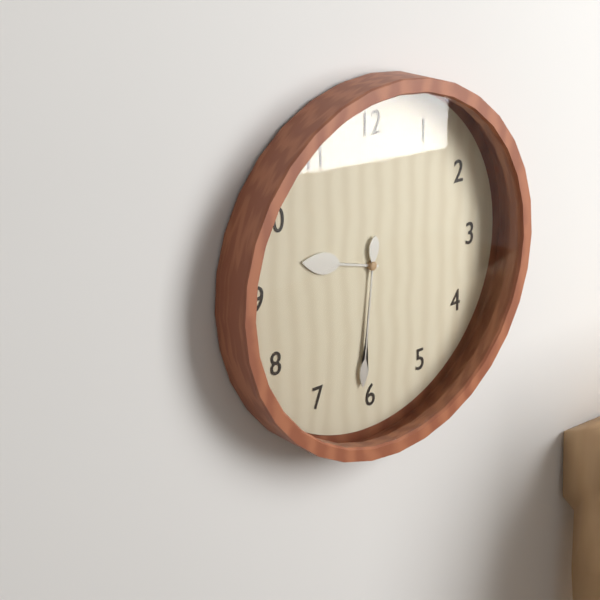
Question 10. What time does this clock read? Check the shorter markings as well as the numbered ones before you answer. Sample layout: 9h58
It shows 9h31
